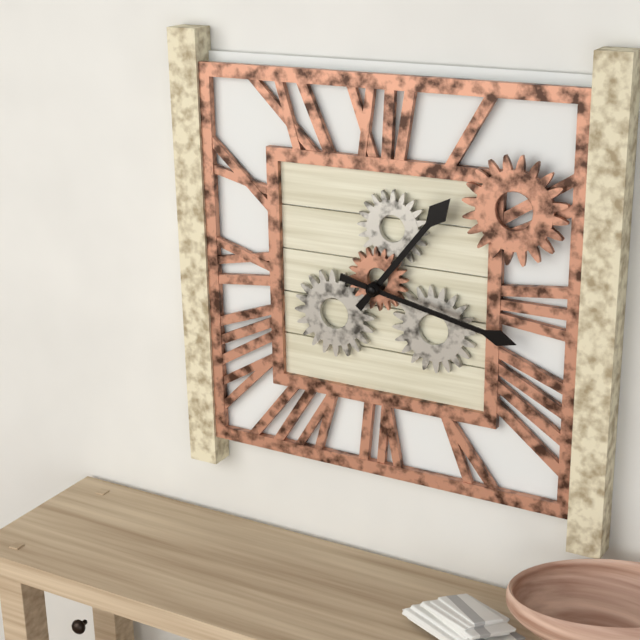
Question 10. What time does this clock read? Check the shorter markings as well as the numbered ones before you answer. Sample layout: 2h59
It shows 1h17
